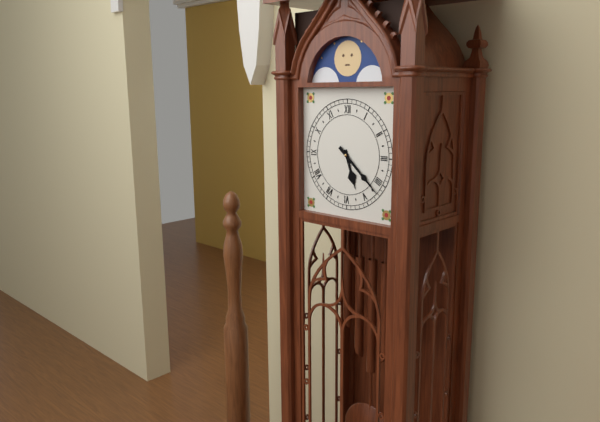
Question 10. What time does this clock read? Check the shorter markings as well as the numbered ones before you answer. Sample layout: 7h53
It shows 5h22
